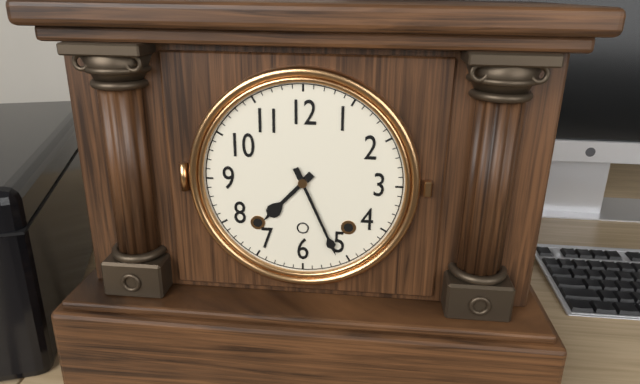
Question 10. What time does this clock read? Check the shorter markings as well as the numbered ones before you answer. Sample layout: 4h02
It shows 7h26
